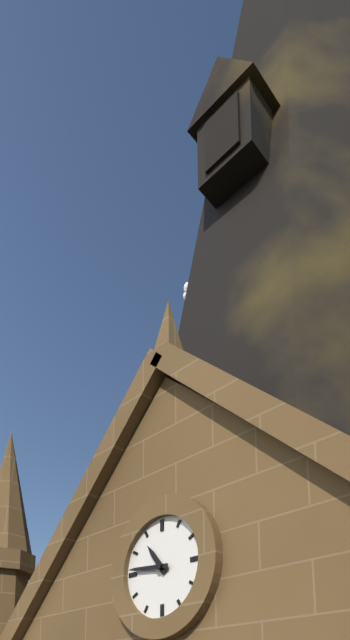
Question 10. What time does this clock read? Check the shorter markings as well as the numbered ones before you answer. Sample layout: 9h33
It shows 10h46
